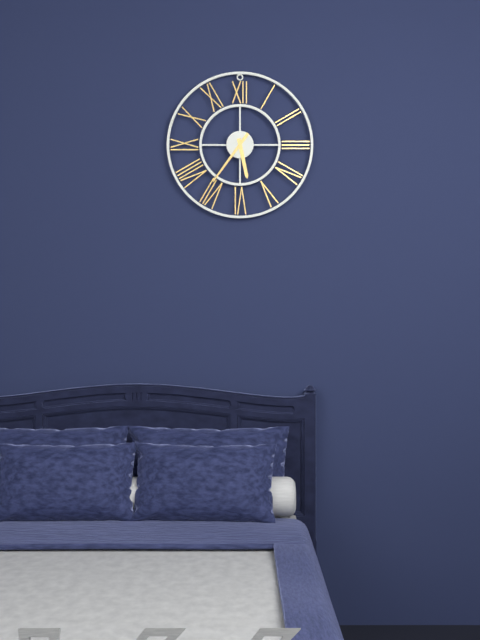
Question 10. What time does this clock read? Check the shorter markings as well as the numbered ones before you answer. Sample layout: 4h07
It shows 5h36
